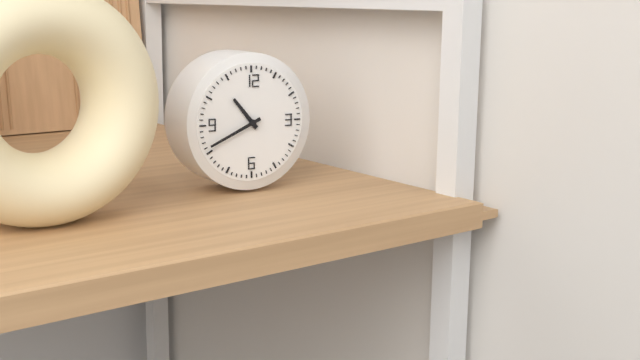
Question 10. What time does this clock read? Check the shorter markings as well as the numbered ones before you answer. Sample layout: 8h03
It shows 10h41
